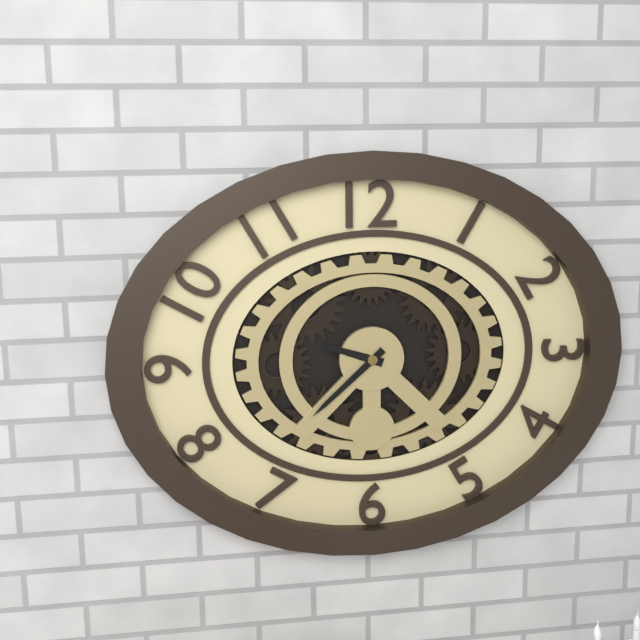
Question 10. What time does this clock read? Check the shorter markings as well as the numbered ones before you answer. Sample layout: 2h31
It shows 9h38
